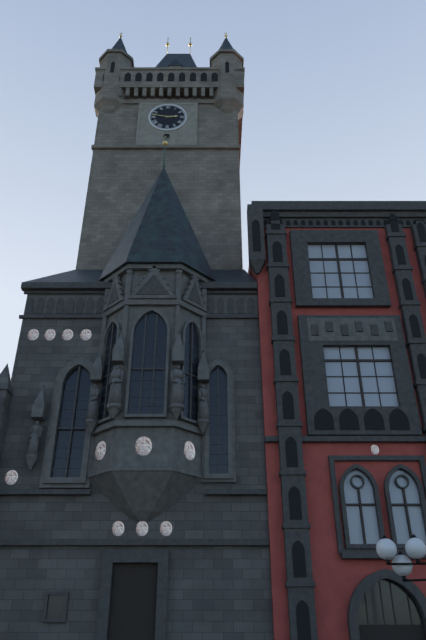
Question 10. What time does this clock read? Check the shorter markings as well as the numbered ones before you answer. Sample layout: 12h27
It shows 2h47
